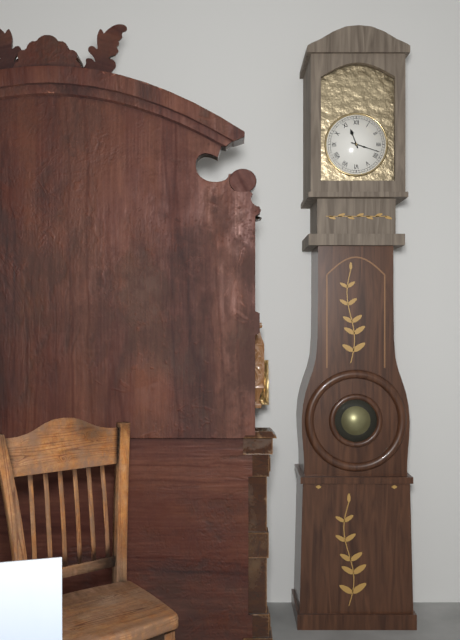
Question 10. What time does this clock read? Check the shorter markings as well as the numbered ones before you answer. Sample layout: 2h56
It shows 11h18
